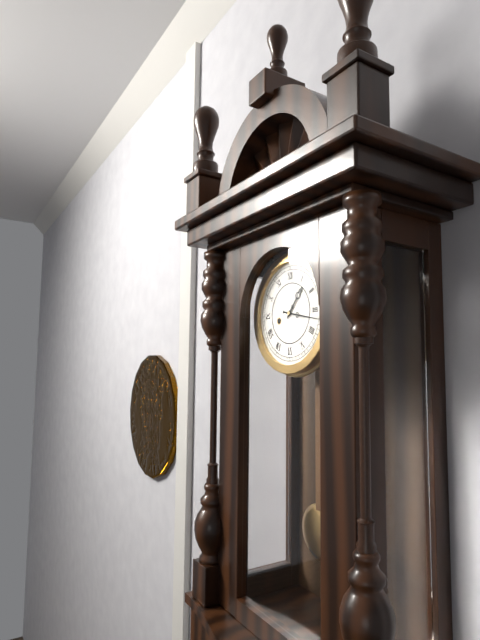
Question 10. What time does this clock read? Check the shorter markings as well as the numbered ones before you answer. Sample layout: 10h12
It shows 1h17
